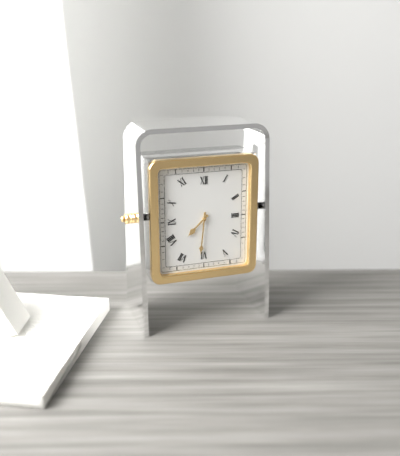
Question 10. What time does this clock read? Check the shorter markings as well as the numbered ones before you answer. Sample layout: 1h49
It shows 7h31
